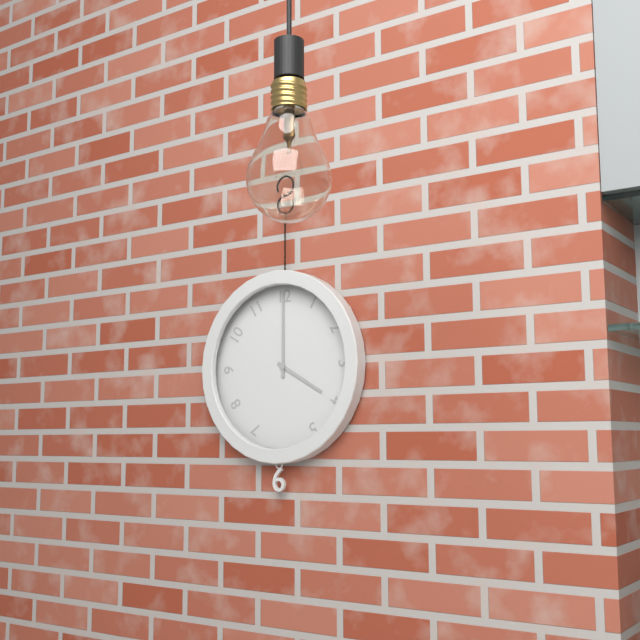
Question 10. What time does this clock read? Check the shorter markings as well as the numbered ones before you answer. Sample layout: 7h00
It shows 4h00
